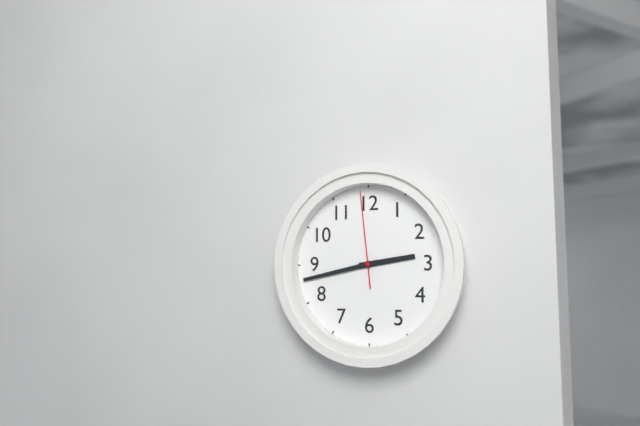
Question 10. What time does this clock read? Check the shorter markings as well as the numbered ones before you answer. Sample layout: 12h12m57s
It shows 2h43m59s
